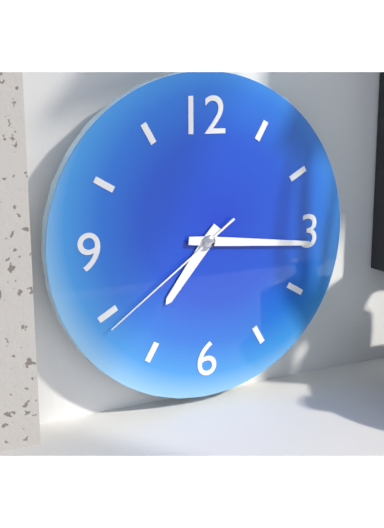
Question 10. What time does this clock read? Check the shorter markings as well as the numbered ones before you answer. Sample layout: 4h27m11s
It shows 7h16m39s
